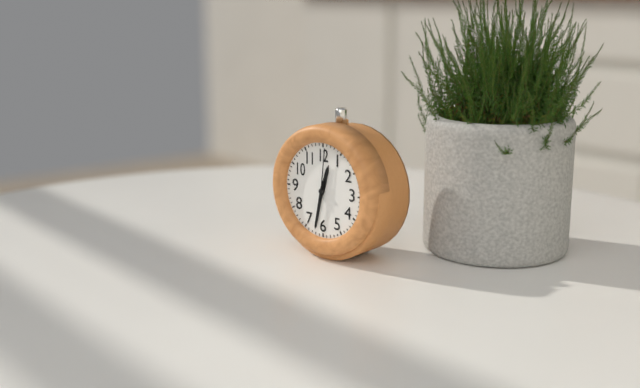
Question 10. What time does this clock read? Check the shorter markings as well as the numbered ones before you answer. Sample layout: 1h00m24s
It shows 12h32m01s
